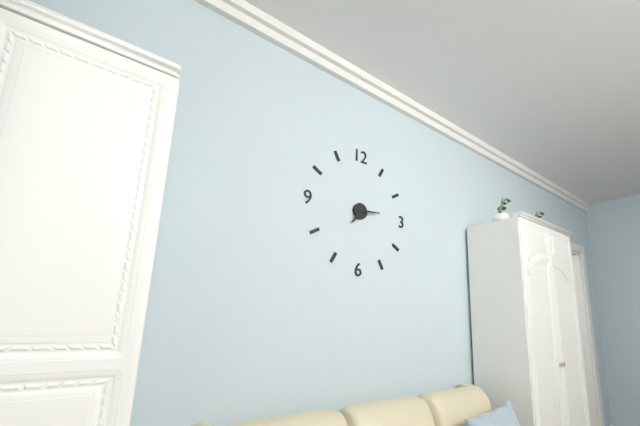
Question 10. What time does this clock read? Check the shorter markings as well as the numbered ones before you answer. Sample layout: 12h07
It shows 7h14
